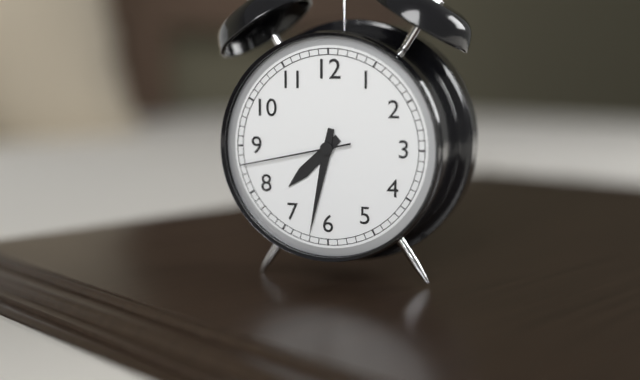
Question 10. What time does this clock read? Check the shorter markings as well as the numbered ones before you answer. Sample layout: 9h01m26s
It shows 7h32m43s
